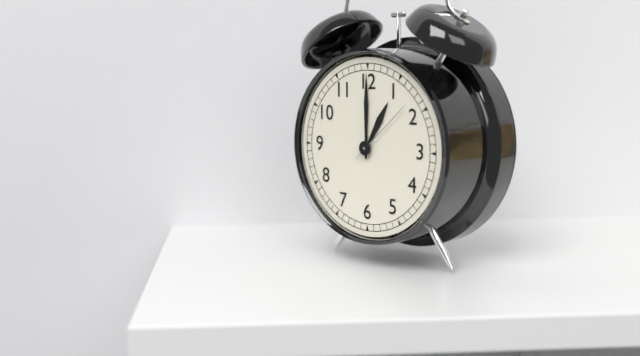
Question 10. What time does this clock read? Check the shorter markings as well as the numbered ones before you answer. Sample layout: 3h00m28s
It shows 1h00m08s
